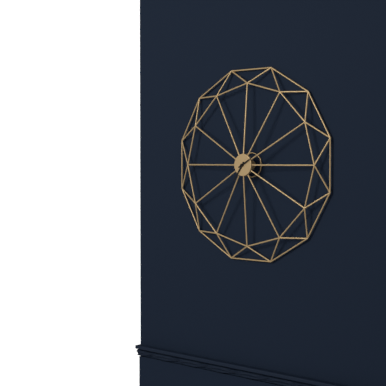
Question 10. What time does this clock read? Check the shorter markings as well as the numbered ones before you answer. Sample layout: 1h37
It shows 7h10
